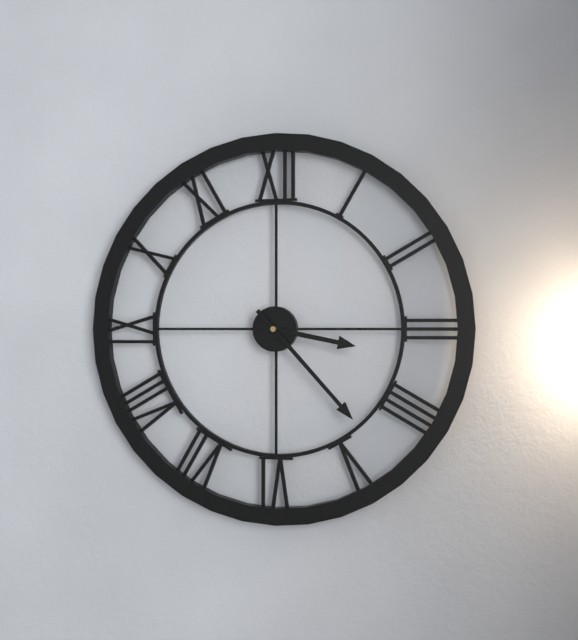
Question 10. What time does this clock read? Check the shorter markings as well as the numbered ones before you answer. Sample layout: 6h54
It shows 3h23
